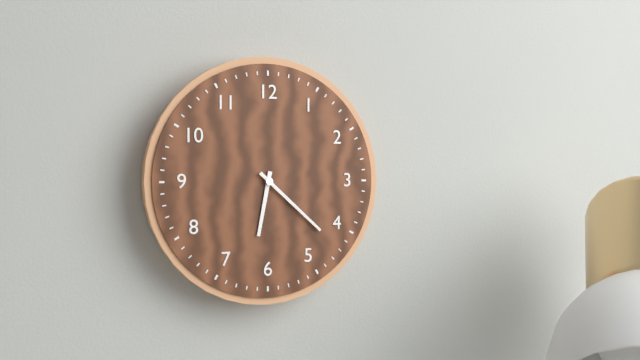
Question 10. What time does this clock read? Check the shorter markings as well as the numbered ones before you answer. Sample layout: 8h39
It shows 6h22
